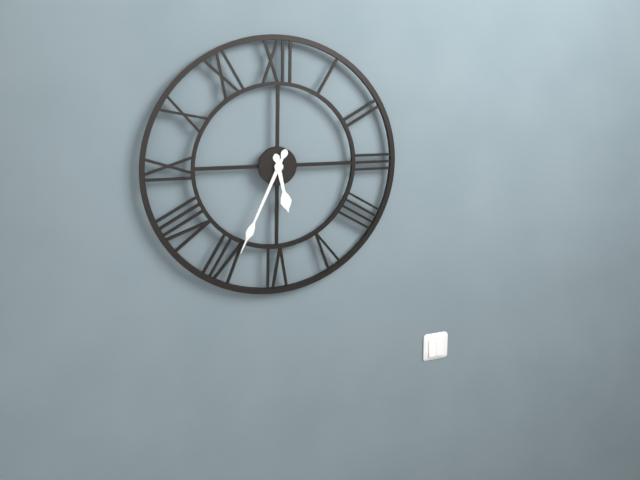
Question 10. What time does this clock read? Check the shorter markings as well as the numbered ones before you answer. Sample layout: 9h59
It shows 5h34
